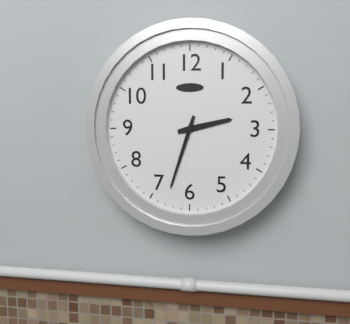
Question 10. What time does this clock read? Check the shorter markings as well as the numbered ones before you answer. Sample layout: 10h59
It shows 2h33
